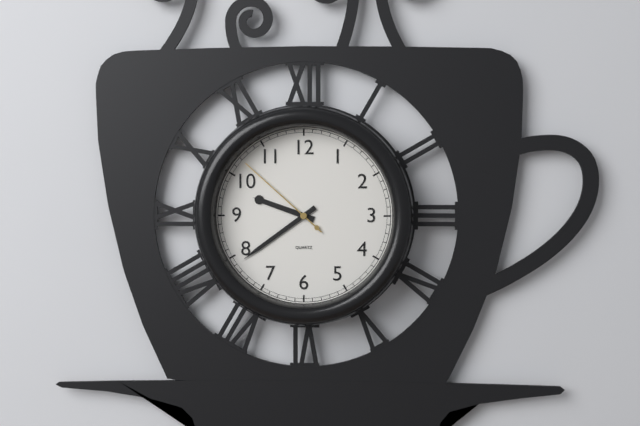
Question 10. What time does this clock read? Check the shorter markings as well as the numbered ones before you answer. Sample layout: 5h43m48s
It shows 9h39m52s
